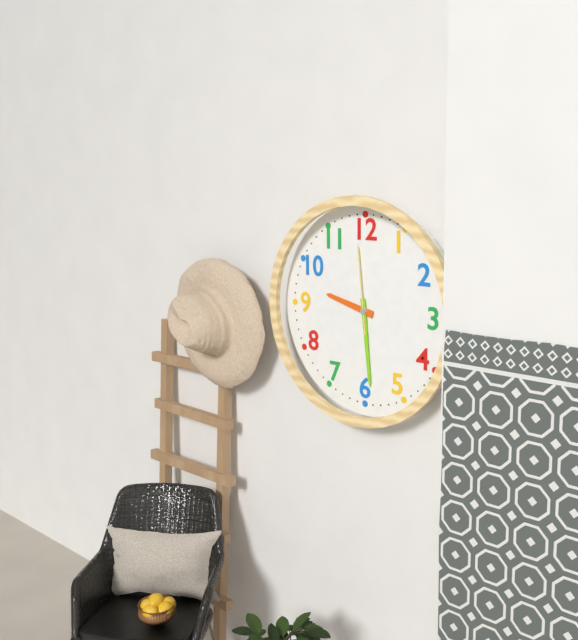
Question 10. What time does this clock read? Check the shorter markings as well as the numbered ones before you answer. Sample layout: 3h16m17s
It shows 9h29m59s
